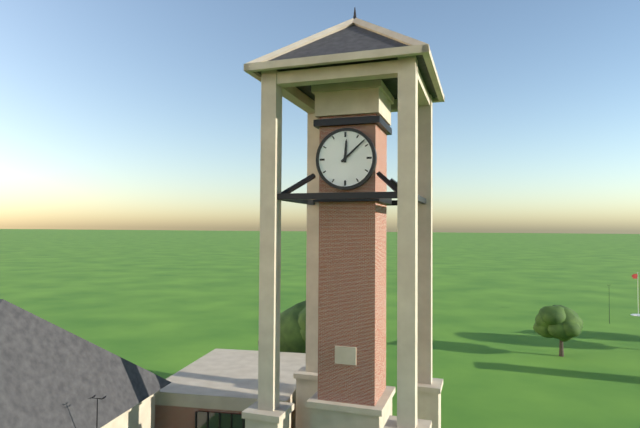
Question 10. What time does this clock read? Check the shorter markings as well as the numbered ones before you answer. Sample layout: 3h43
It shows 12h08
